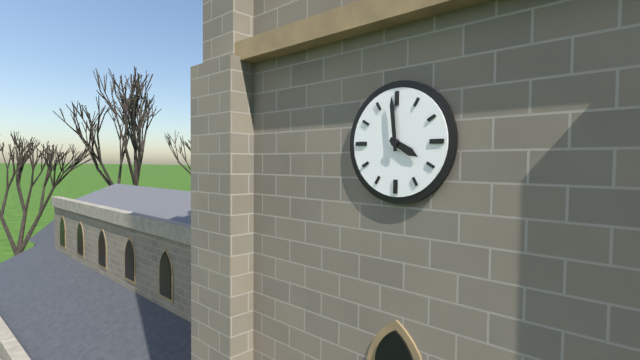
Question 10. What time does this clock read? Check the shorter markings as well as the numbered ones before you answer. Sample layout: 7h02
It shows 3h59
